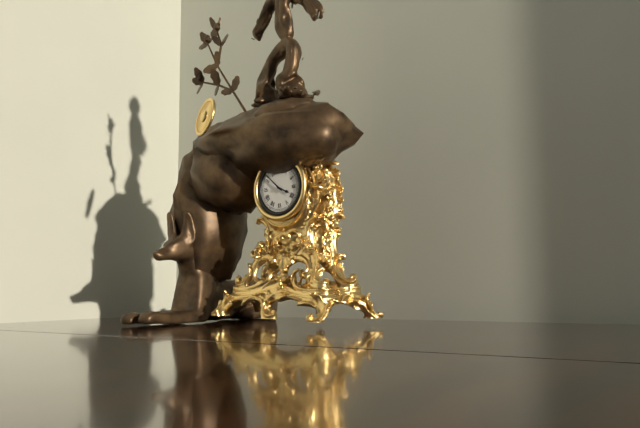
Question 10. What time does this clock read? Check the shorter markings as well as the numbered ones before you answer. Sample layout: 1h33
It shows 3h52
